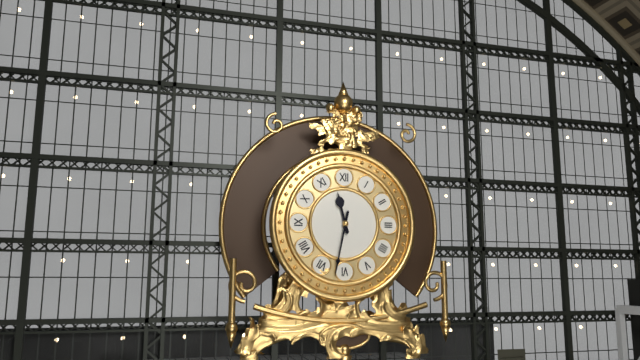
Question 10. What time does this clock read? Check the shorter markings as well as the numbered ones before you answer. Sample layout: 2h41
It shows 11h32
